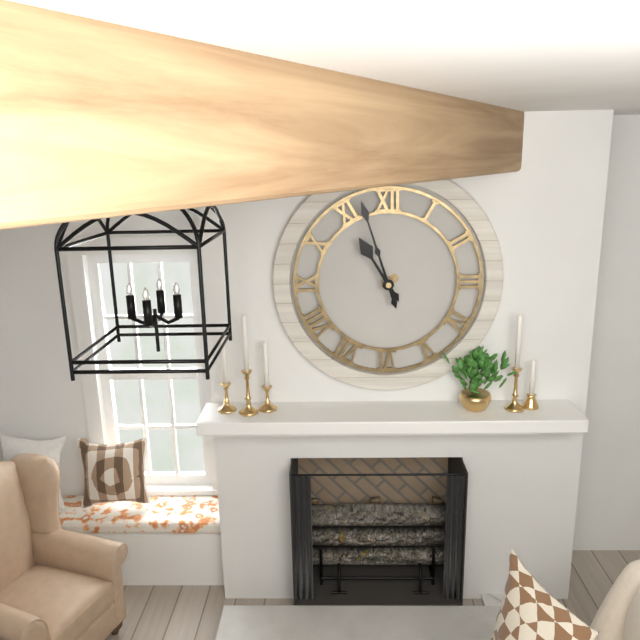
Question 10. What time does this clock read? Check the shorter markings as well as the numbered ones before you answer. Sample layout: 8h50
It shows 10h57
